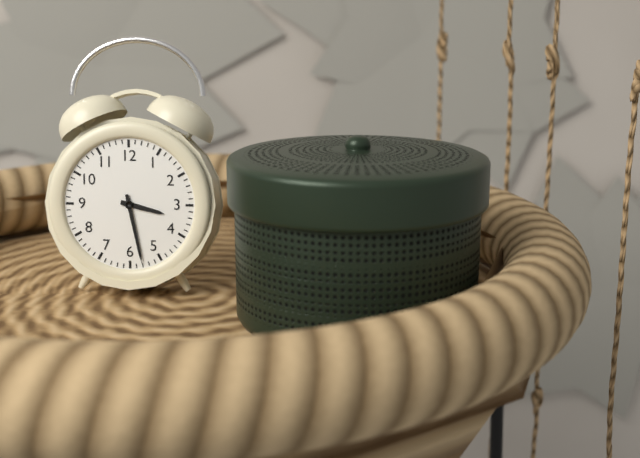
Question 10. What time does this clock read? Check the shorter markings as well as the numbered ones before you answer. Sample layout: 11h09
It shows 3h28
